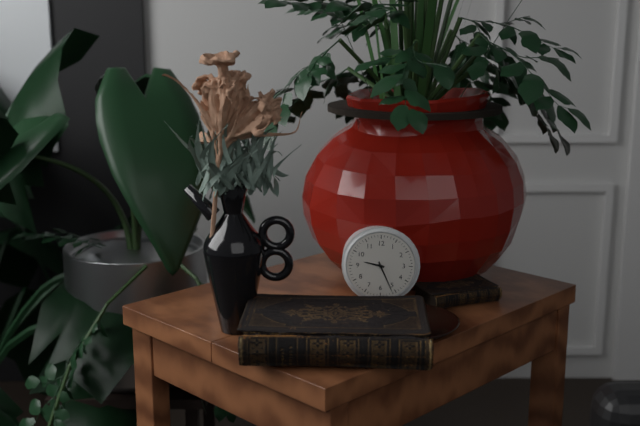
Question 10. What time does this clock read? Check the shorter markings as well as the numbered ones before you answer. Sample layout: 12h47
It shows 9h26
